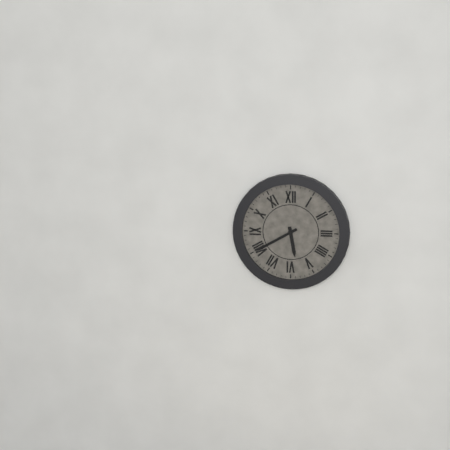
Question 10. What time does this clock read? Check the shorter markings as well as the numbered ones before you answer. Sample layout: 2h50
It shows 5h40
